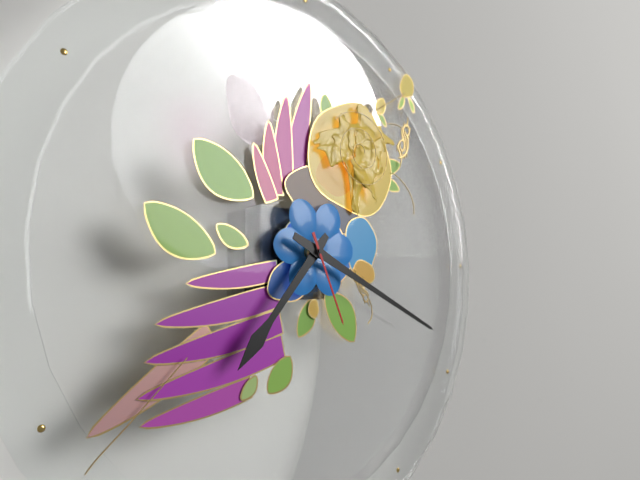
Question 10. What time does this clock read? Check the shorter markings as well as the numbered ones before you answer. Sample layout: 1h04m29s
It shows 7h19m26s
